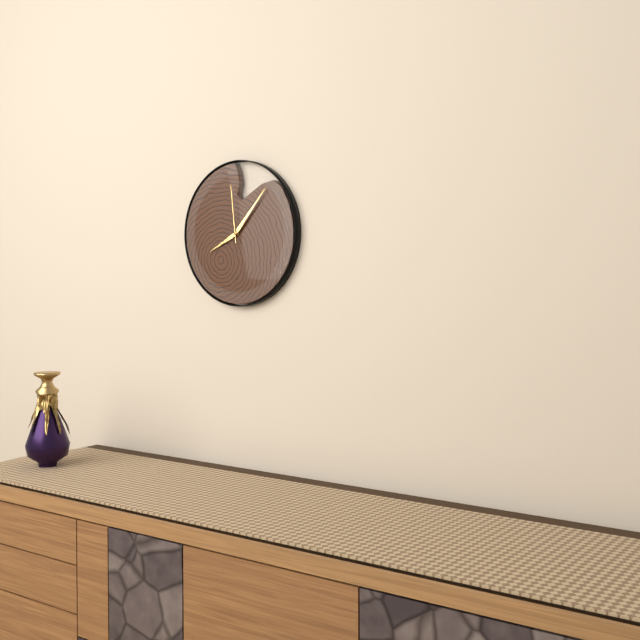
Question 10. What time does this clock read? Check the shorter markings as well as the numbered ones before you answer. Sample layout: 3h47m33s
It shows 8h07m59s
